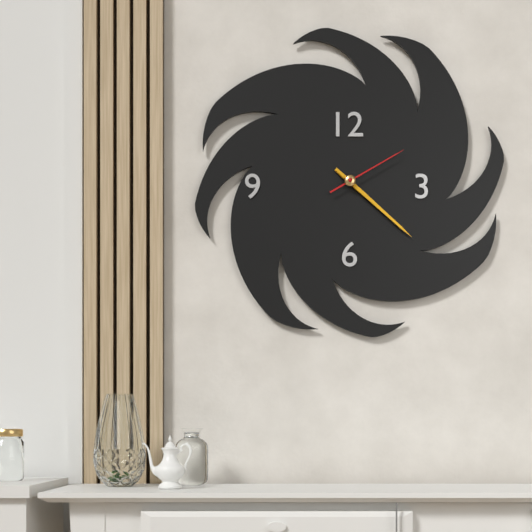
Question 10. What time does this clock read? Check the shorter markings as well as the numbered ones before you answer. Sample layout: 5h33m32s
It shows 4h22m10s
